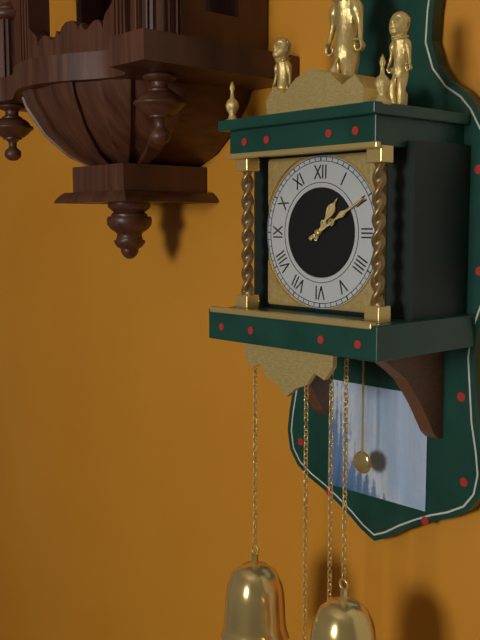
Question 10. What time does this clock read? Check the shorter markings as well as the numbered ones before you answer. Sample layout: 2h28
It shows 1h10
